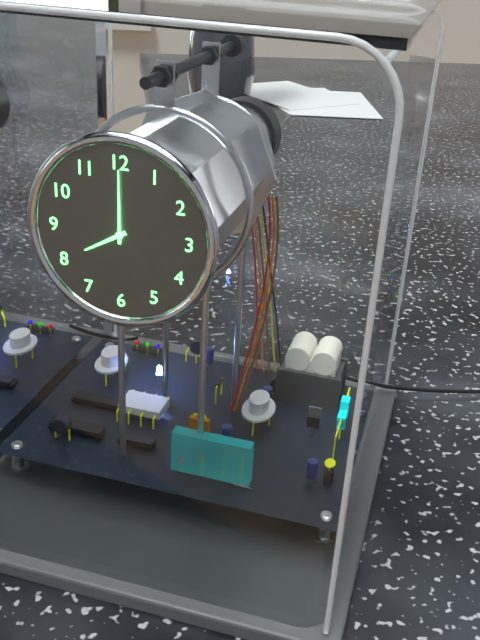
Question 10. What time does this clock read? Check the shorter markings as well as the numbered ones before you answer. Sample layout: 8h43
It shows 8h00
